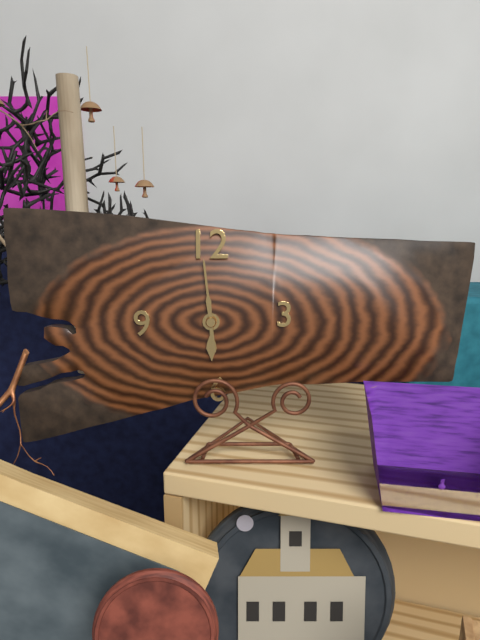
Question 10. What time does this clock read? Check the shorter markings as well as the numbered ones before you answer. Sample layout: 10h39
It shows 5h59
